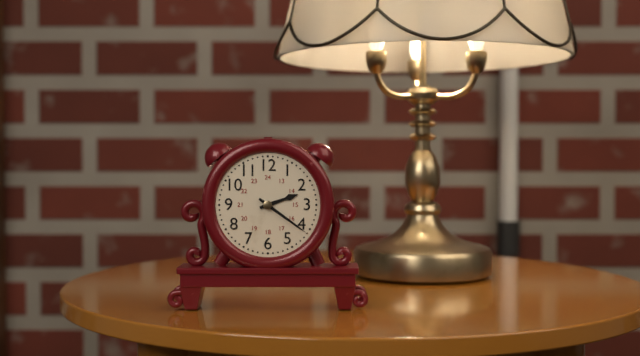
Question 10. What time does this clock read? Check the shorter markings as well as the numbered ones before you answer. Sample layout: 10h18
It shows 2h21
